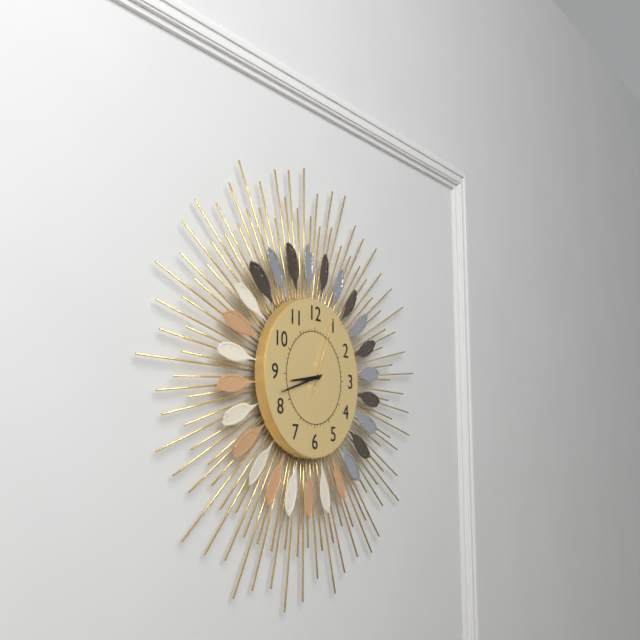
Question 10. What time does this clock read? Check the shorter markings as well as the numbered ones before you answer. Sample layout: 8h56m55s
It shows 8h42m04s
